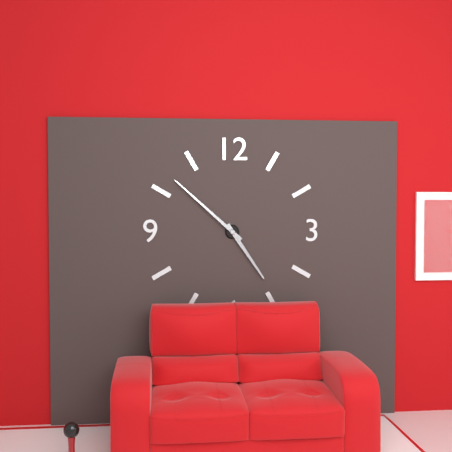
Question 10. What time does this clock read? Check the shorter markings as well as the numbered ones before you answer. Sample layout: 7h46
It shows 4h52
